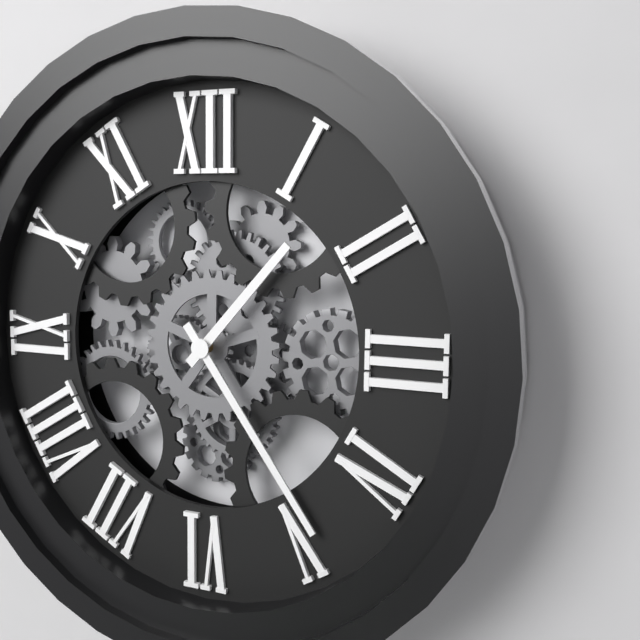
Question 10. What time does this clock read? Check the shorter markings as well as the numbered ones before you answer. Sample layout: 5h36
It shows 1h24
